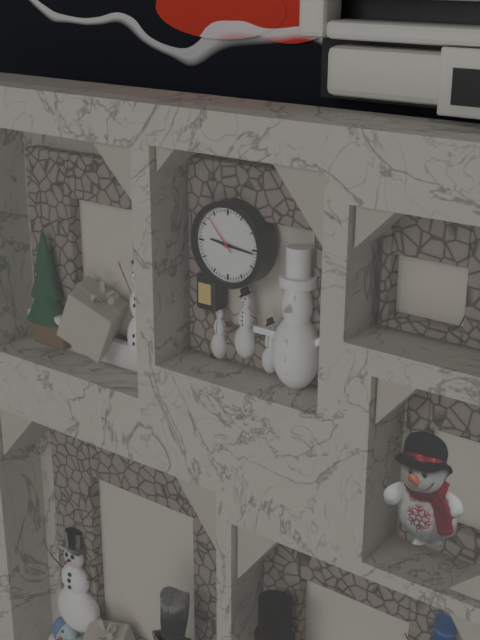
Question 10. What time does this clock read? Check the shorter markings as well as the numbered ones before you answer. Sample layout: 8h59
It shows 9h16
